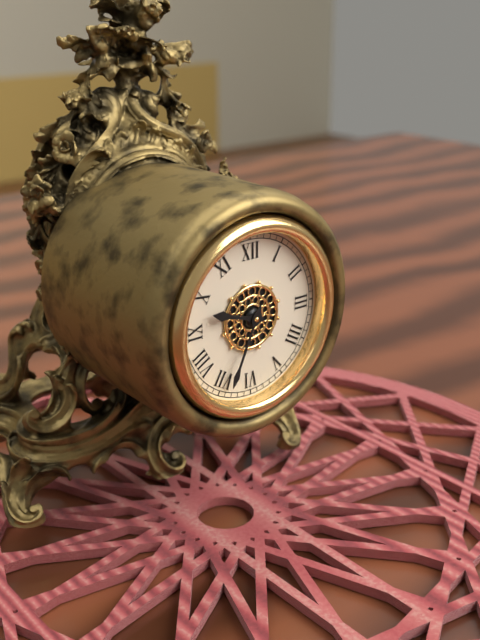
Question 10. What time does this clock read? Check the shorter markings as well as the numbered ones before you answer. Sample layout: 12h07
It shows 9h34
